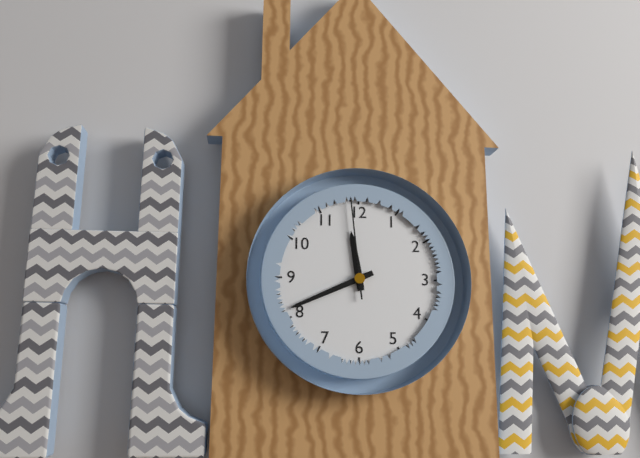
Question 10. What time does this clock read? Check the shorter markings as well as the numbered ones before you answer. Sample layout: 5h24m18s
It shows 11h41m59s
